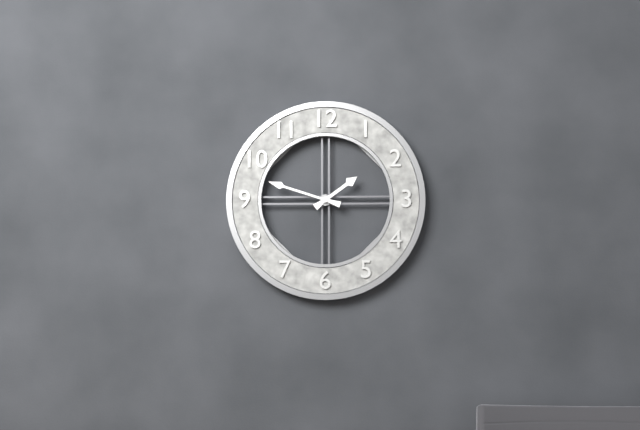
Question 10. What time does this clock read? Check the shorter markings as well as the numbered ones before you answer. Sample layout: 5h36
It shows 1h48
